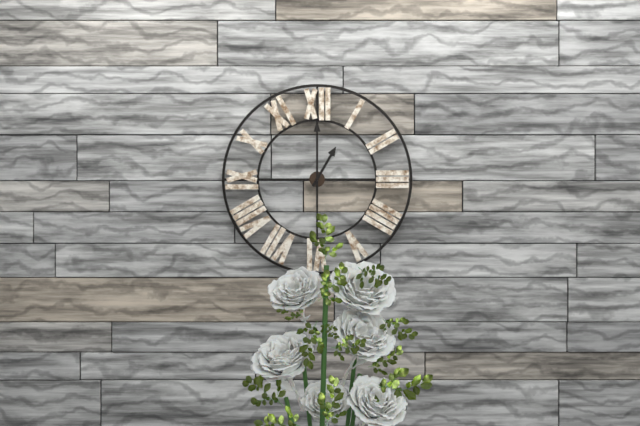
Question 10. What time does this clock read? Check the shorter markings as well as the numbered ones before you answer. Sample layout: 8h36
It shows 1h00
